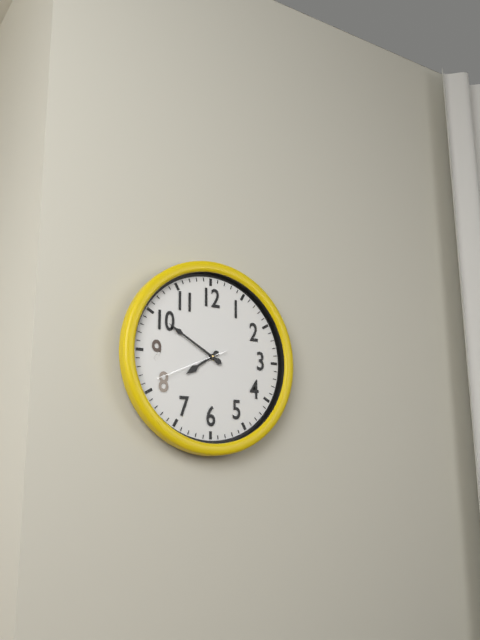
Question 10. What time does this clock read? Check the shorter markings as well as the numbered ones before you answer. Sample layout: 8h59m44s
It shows 7h50m41s
